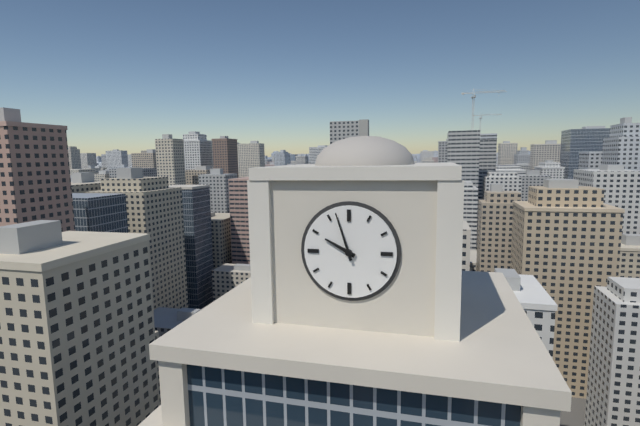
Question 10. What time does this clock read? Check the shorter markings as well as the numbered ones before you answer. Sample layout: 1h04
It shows 9h57
